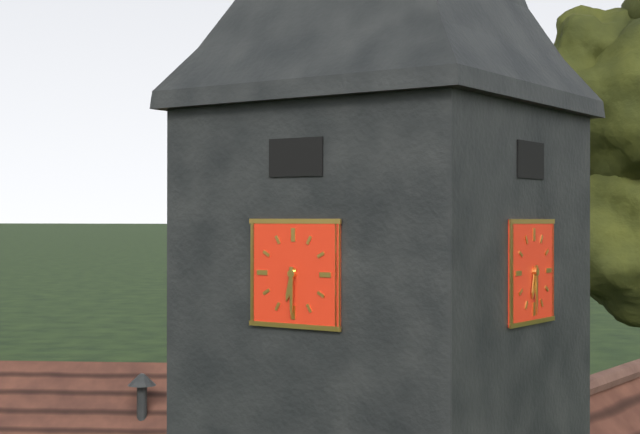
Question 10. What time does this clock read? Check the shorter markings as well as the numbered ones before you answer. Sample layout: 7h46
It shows 6h30
